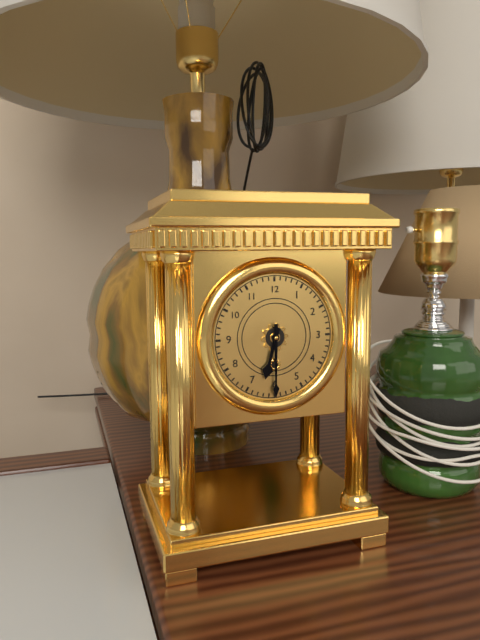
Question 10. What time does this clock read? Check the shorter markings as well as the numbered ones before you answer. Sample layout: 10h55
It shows 6h30
